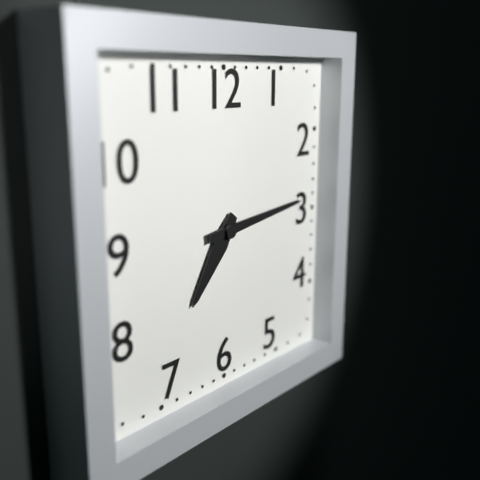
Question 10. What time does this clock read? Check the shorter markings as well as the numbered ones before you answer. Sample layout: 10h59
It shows 7h14
